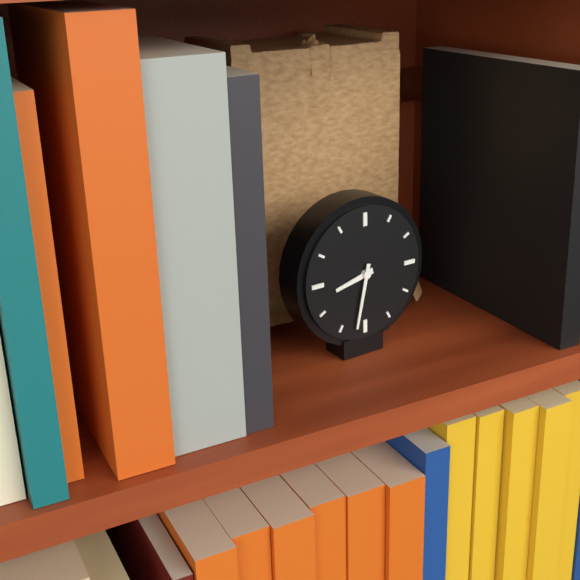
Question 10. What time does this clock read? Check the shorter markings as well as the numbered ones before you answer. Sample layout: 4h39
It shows 8h32
